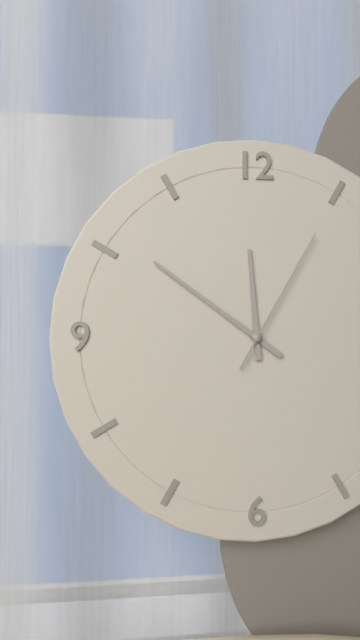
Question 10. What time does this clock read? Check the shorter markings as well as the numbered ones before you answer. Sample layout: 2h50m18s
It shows 11h51m05s
